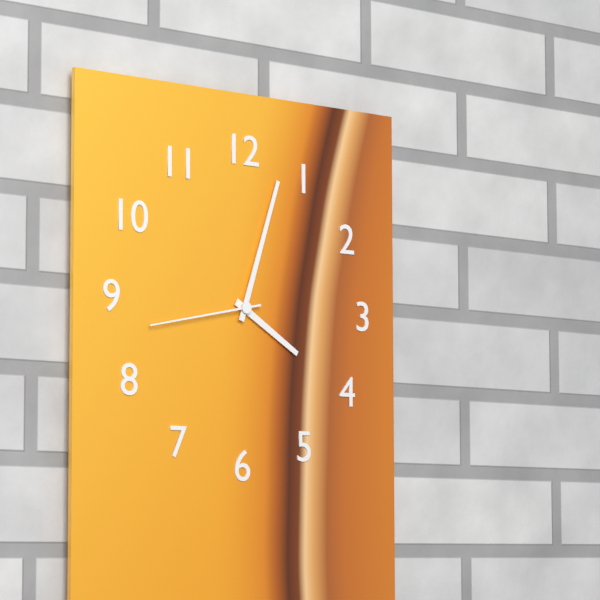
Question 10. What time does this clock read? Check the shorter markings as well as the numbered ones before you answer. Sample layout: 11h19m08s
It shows 4h03m43s
